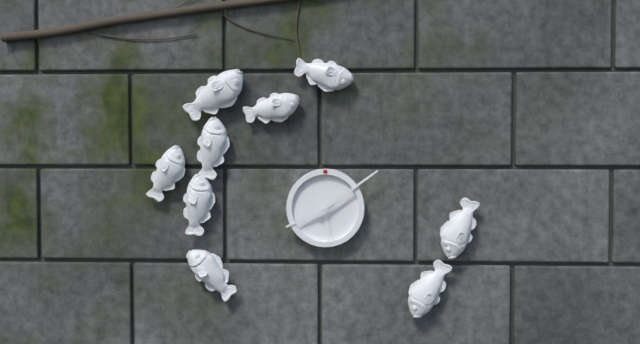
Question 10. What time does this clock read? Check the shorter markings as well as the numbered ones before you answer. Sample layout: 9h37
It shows 8h09
